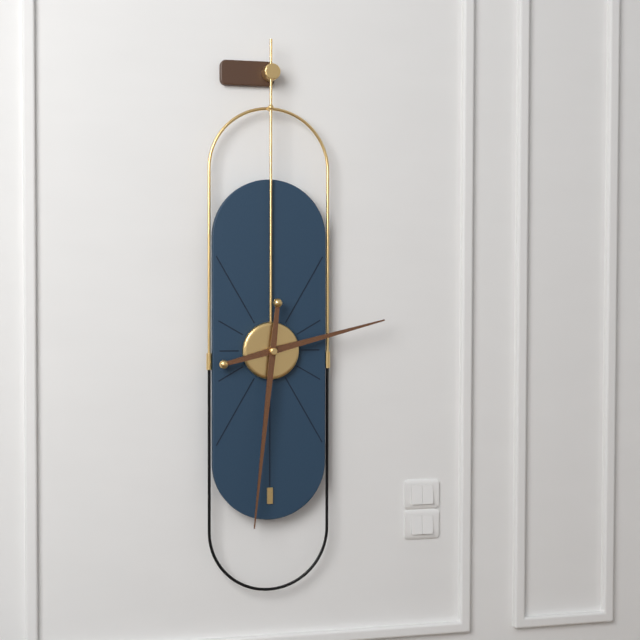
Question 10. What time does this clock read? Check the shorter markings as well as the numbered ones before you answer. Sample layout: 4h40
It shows 2h31
